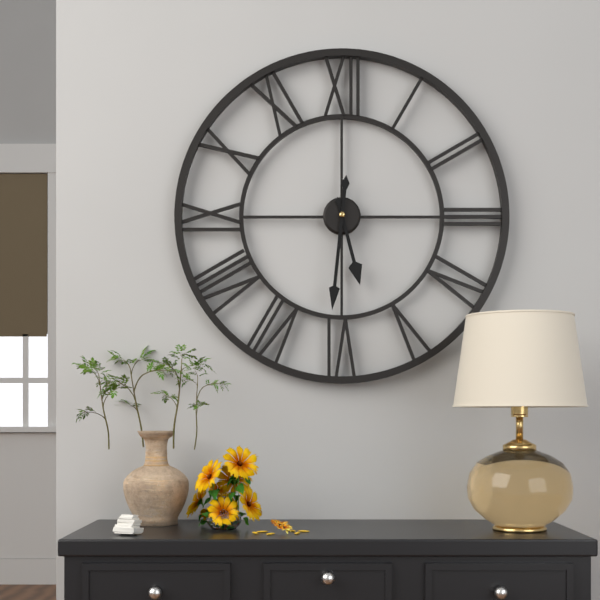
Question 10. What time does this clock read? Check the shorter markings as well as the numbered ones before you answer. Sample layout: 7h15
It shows 5h31
